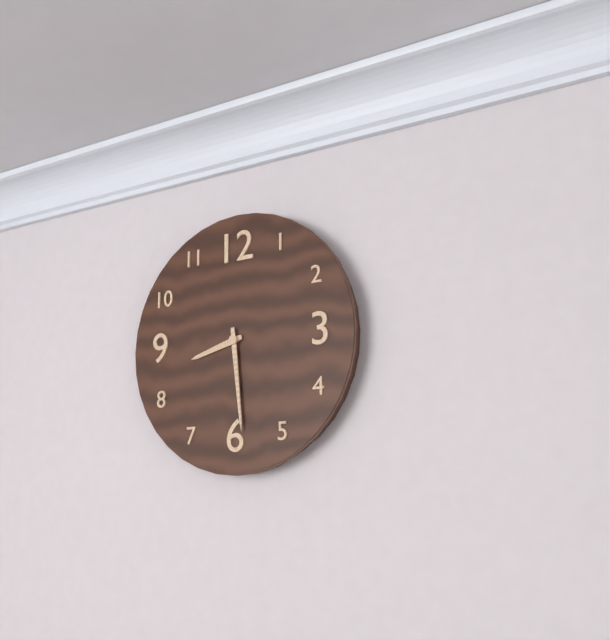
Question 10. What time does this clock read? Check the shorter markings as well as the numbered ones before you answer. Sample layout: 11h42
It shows 8h29
